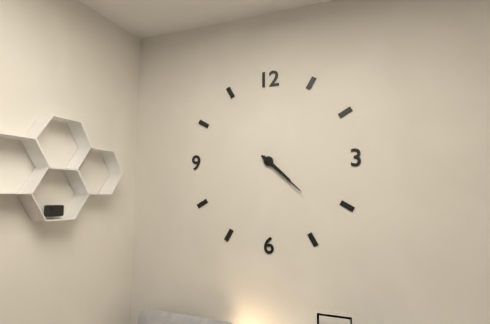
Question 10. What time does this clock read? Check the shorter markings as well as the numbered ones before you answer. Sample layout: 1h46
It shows 4h22
